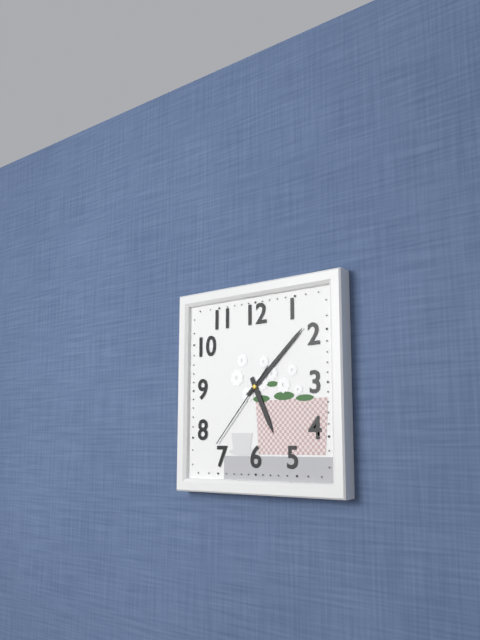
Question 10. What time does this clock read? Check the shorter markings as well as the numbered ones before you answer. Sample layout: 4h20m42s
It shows 5h08m37s
